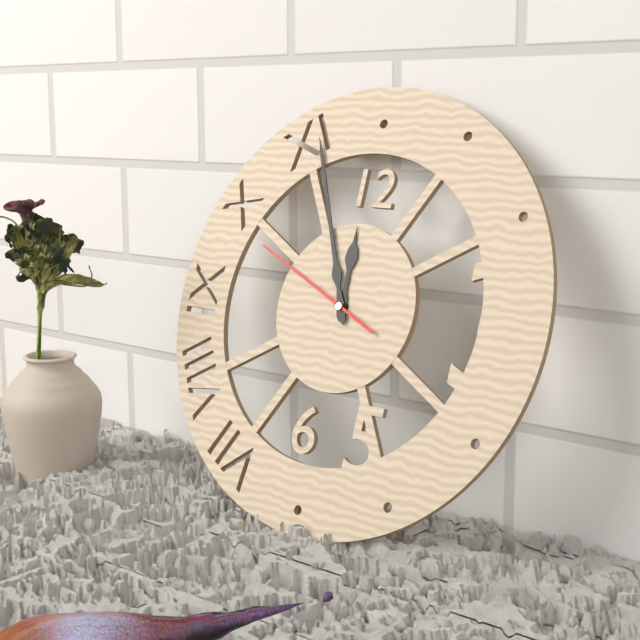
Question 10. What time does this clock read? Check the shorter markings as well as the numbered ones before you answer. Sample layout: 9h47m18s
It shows 11h56m49s
